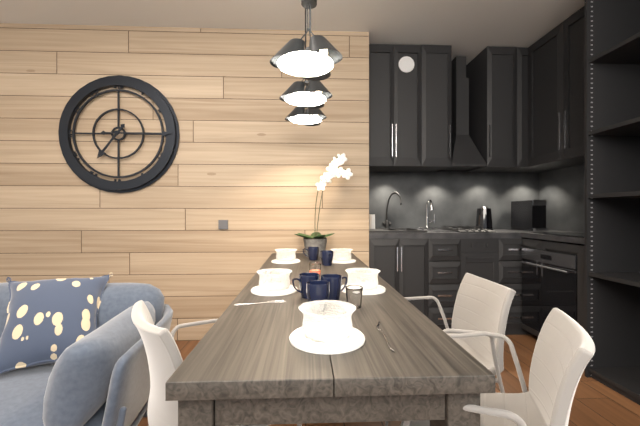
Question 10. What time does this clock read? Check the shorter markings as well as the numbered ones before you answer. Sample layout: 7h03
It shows 7h15
